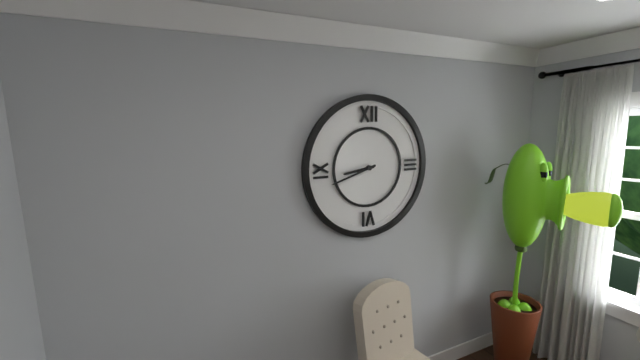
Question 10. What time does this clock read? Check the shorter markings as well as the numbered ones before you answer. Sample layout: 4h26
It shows 8h42
